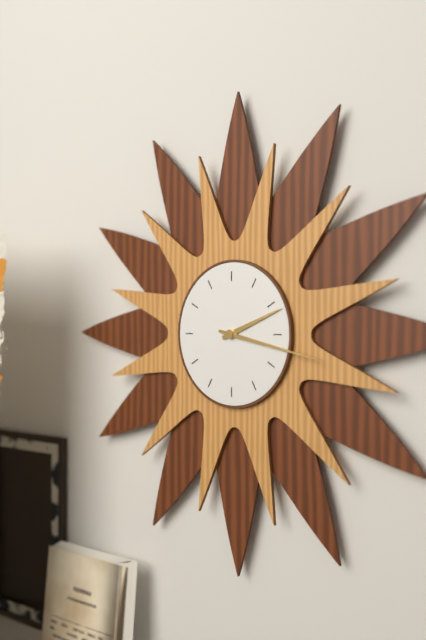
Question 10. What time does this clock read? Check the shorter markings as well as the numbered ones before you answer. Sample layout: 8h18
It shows 2h17
